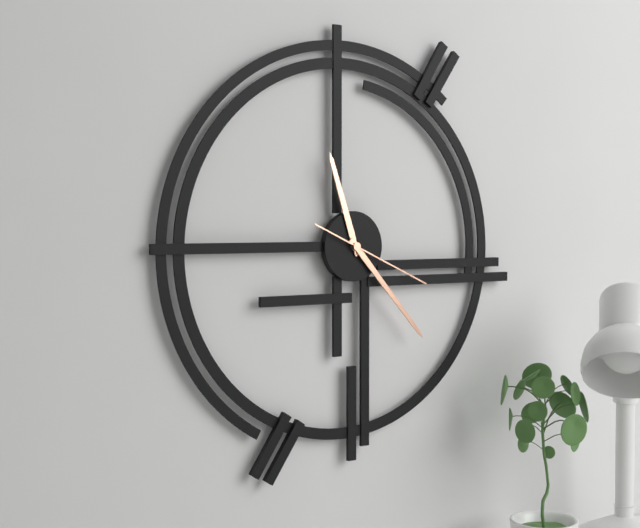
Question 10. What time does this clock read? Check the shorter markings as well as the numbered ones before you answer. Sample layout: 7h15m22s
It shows 11h23m19s
